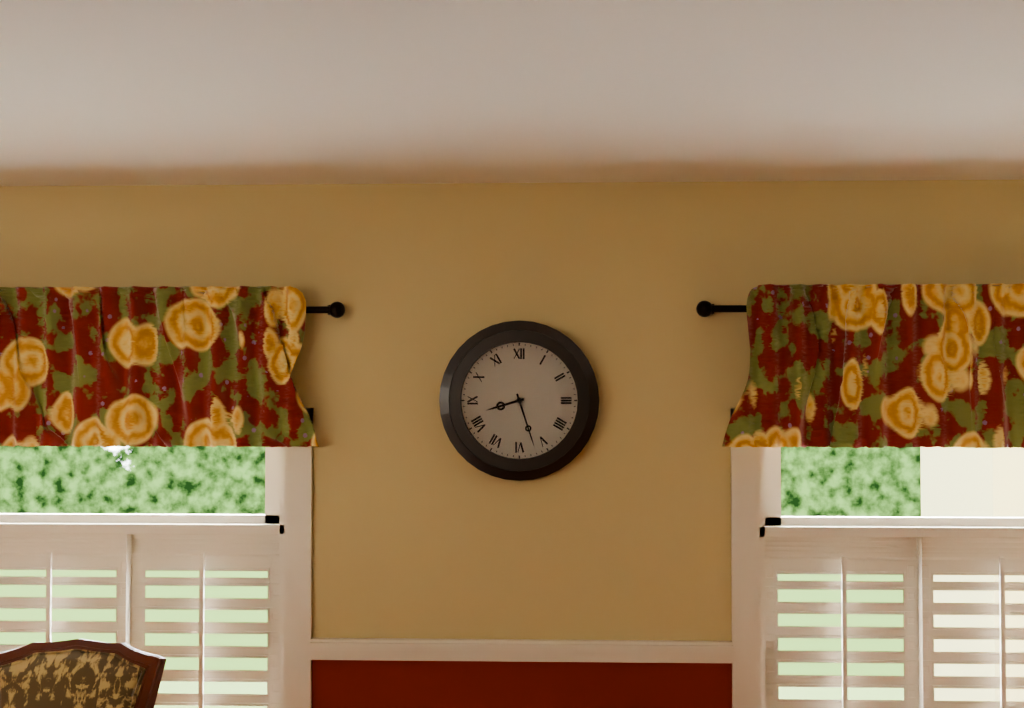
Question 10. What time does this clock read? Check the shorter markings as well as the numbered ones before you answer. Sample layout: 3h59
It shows 8h27
